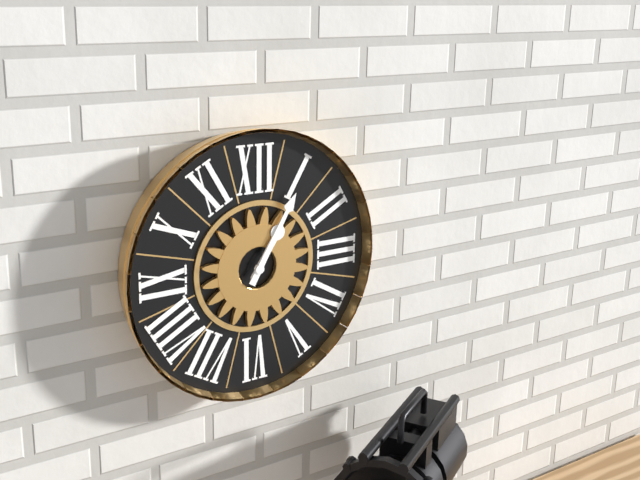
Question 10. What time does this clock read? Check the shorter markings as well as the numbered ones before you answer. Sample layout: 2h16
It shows 1h05
